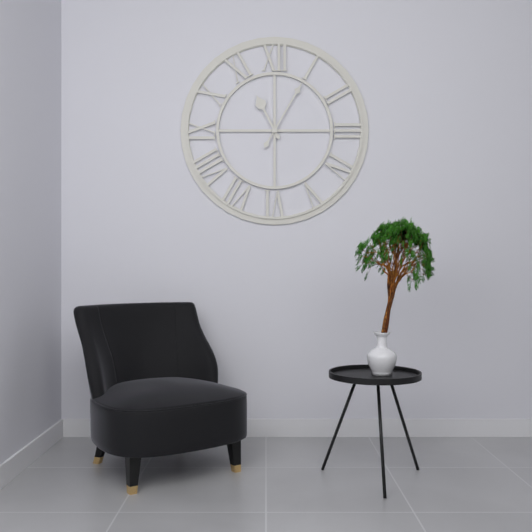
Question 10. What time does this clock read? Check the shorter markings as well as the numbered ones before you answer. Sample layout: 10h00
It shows 11h05
